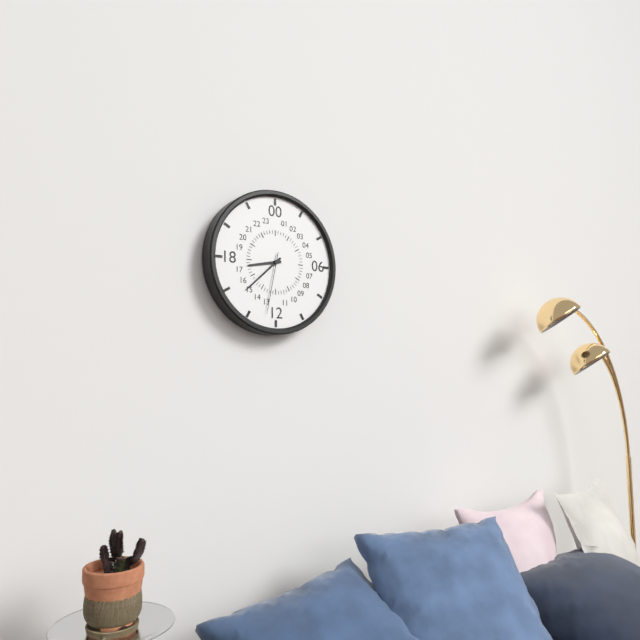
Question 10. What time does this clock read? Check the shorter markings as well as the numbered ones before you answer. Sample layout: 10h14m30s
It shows 8h38m32s
